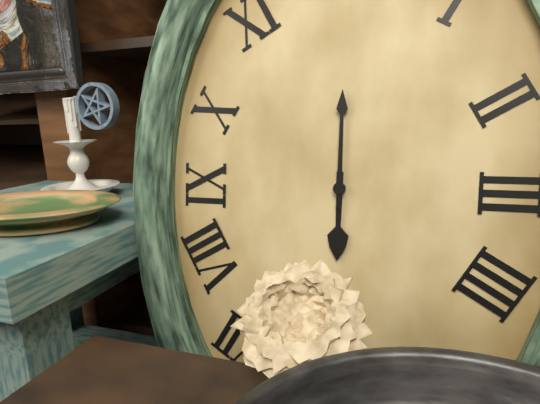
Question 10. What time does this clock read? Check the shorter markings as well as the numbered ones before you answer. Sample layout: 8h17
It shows 6h00
